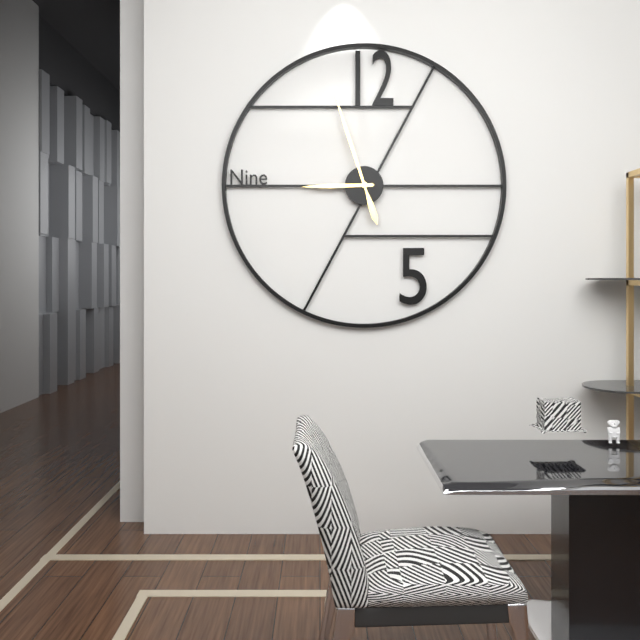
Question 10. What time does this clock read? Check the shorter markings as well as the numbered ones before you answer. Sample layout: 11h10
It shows 8h57
